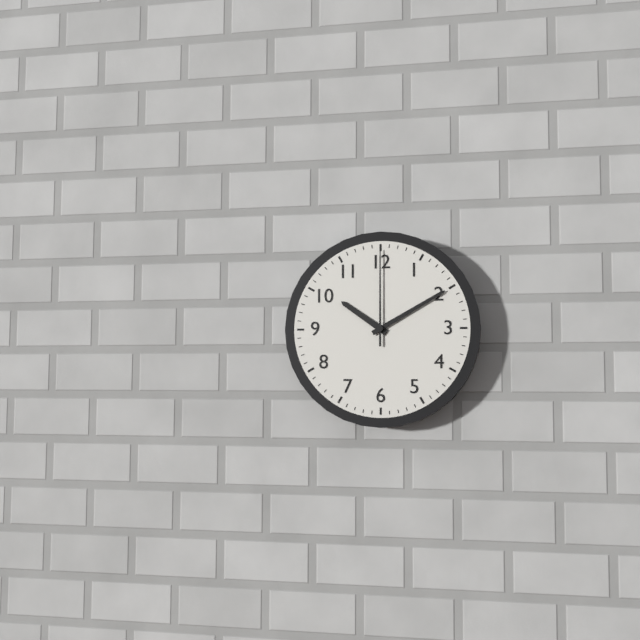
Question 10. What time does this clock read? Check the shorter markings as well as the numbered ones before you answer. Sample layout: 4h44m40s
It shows 10h10m00s
